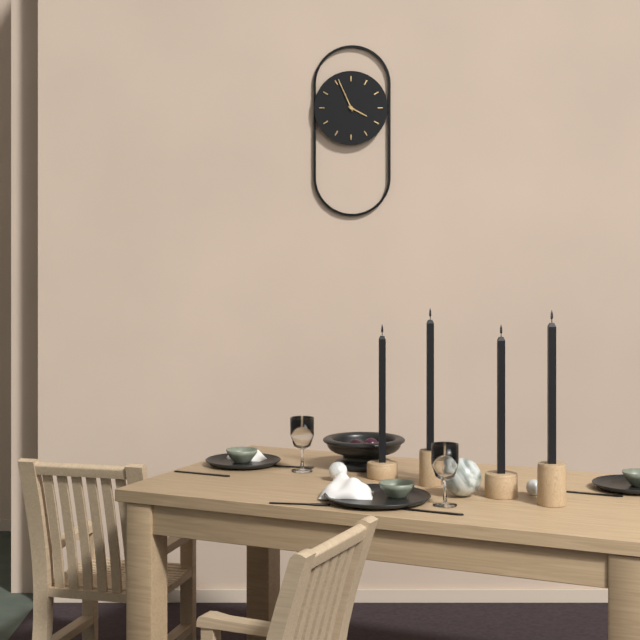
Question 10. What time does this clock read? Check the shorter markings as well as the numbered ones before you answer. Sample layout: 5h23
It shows 3h56
